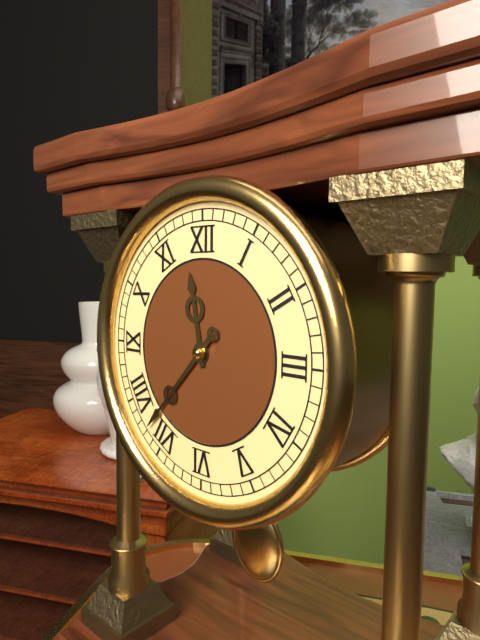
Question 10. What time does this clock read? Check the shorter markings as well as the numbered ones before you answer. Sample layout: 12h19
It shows 11h37
